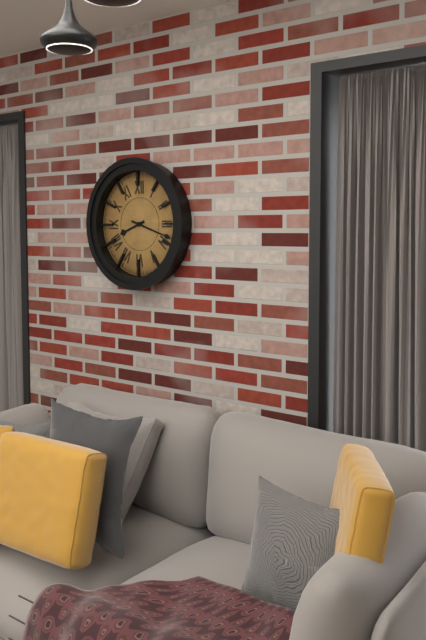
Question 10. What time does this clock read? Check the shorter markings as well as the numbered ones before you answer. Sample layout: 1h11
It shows 8h18
